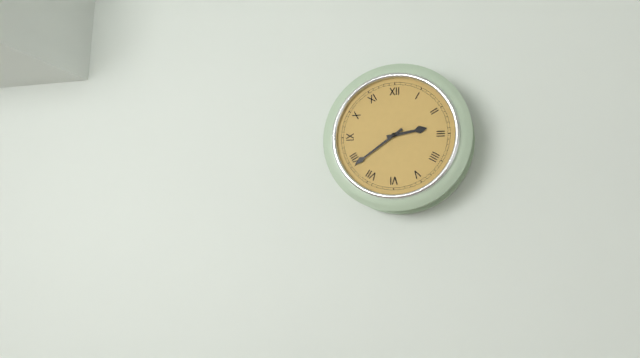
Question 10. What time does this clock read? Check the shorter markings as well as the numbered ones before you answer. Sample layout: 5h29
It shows 2h39
